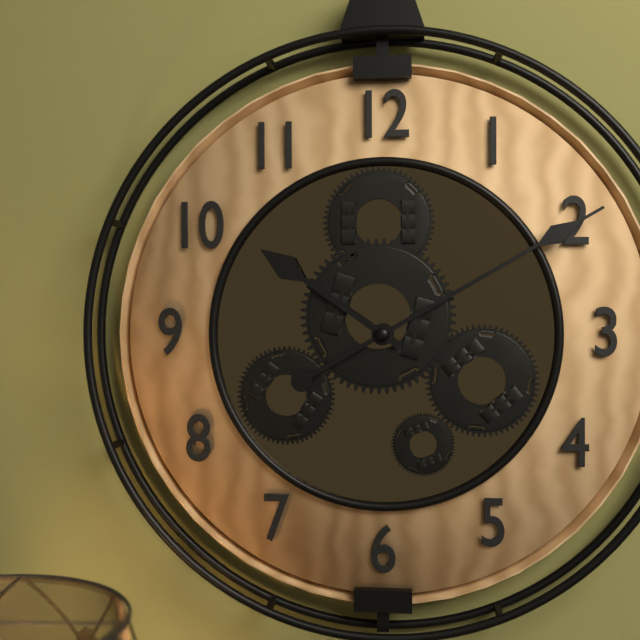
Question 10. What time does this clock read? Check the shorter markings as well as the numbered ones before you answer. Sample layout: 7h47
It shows 10h10
